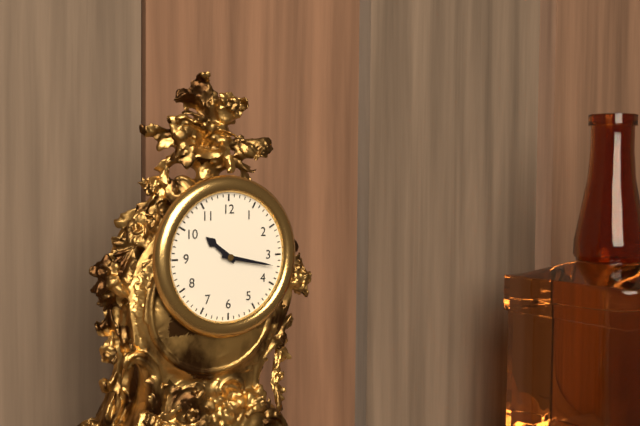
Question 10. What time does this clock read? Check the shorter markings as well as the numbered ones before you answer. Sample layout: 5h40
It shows 10h17
